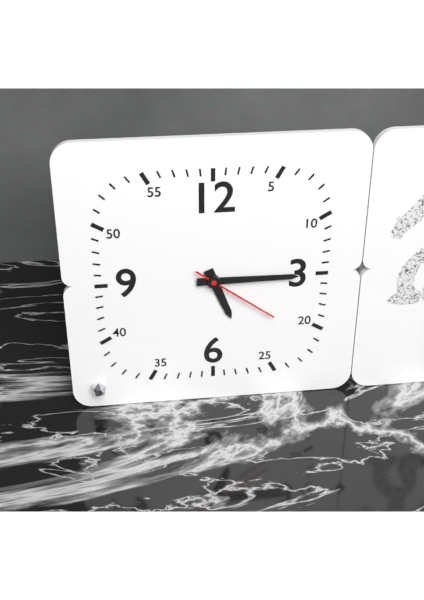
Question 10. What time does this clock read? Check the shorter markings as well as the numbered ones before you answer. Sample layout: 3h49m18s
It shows 5h15m21s
